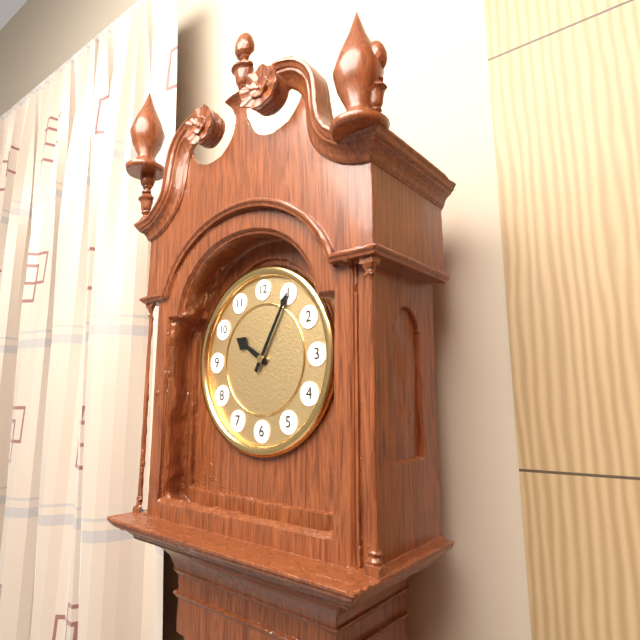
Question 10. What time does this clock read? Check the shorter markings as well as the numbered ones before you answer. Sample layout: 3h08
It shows 10h05
